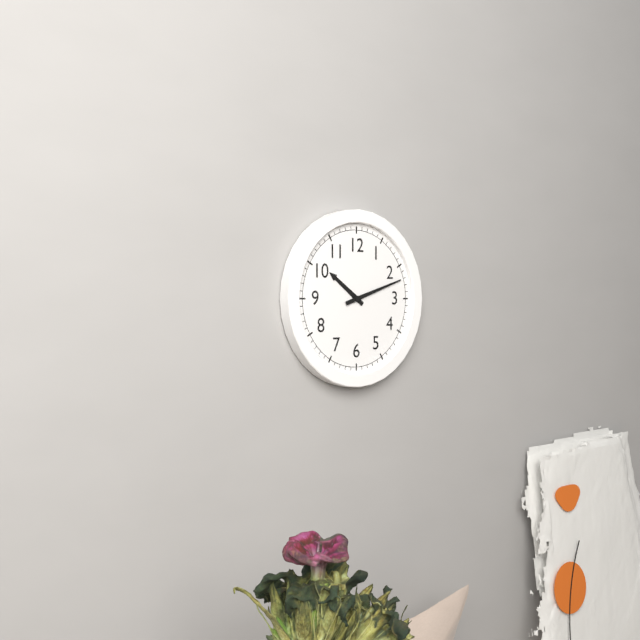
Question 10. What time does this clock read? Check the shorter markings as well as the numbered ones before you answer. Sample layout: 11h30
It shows 10h12
